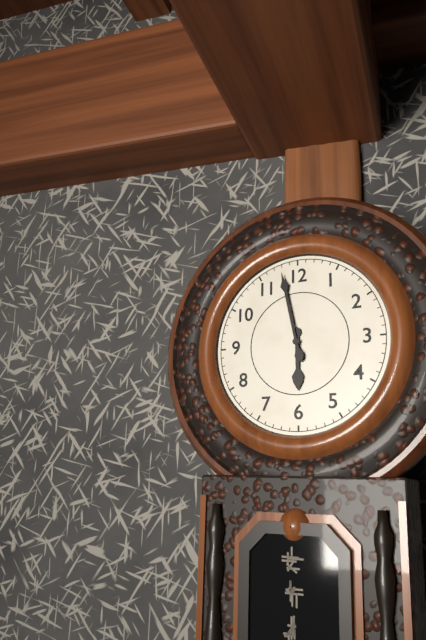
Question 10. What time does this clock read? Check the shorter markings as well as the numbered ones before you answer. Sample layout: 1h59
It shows 5h58
